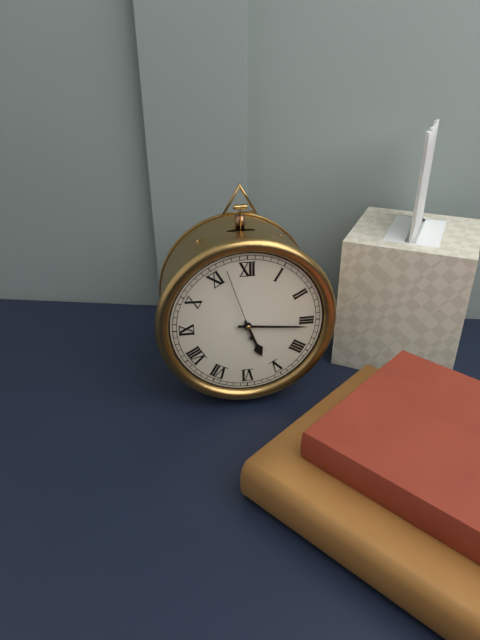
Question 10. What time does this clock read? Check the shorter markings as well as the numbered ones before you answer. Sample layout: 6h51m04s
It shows 5h16m57s
